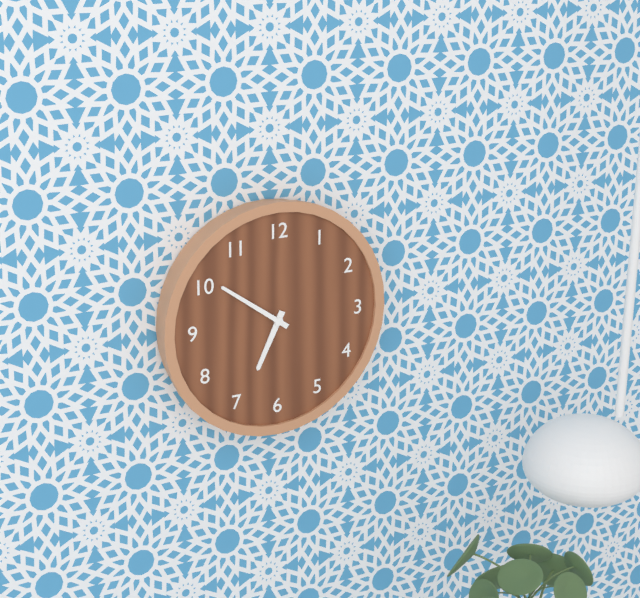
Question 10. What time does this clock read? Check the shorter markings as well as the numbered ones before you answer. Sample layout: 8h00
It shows 6h51
